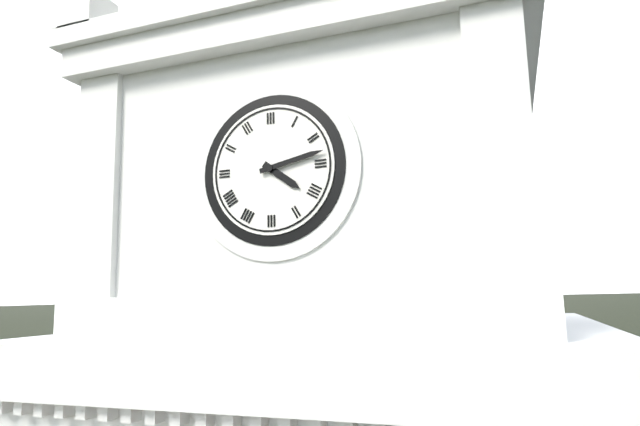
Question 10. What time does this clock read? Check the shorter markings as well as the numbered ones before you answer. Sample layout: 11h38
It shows 4h13
